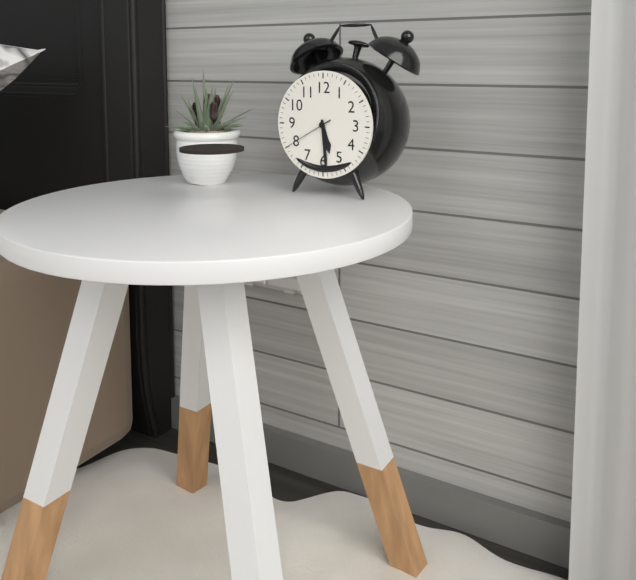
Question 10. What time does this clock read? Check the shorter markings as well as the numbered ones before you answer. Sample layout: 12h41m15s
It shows 5h29m40s
